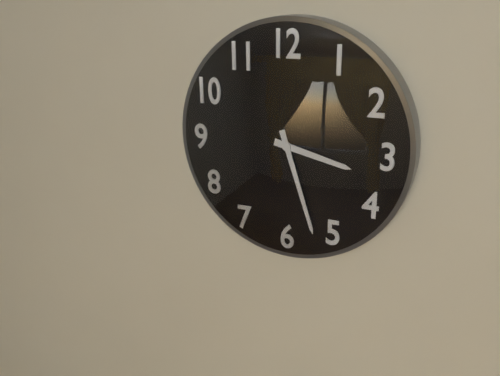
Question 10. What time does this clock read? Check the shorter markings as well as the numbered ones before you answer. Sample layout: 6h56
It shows 3h27
